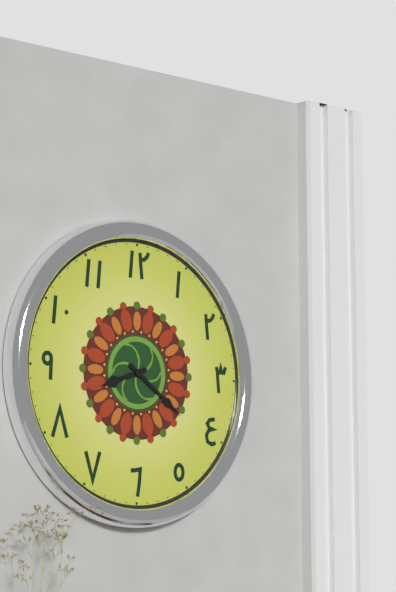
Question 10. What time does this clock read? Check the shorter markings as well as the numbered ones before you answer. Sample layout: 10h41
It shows 8h21
